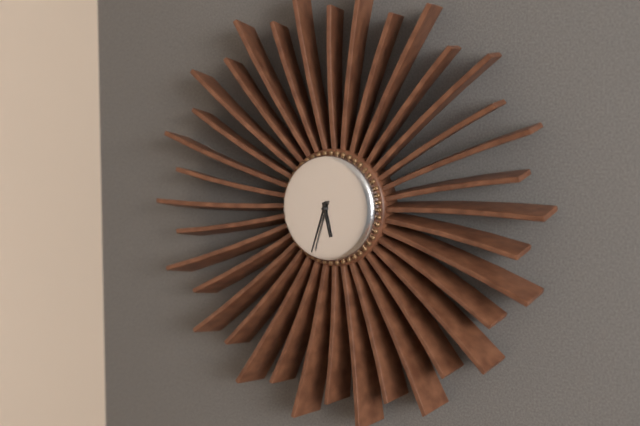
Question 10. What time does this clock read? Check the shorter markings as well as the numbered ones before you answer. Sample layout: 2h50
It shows 5h33
